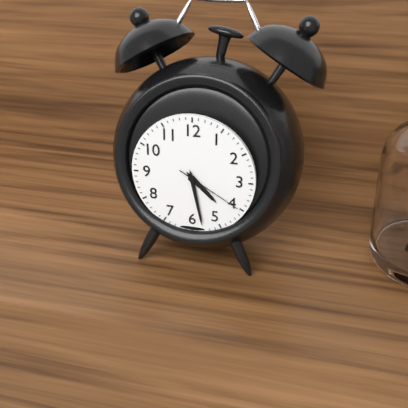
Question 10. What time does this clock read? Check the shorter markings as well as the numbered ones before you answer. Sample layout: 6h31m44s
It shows 4h28m20s
